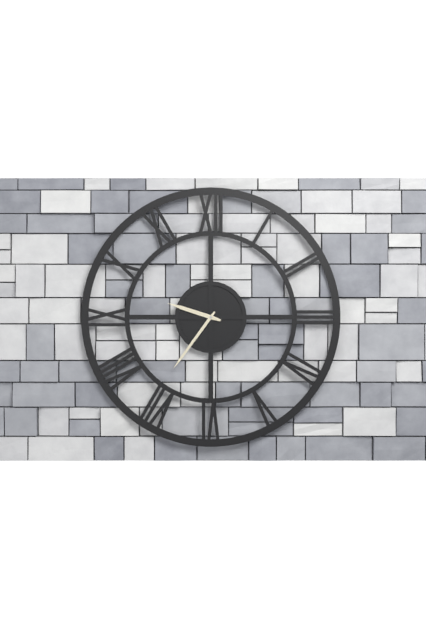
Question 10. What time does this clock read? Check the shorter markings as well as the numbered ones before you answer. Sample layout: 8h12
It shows 9h36
